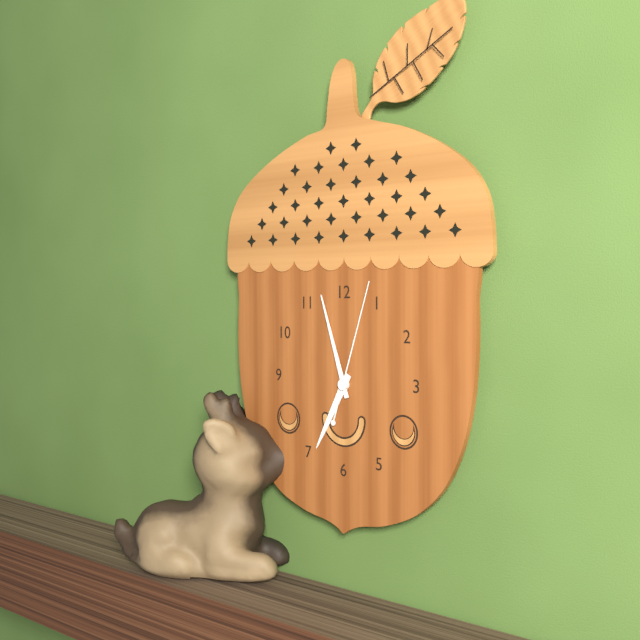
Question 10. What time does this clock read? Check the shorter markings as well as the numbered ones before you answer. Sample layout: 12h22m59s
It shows 6h57m03s
